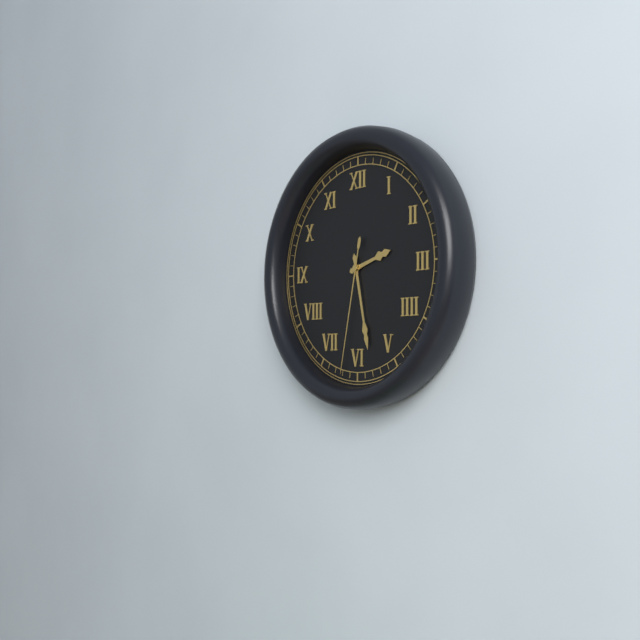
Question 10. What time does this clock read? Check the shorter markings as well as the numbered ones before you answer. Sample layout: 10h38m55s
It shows 2h28m32s
